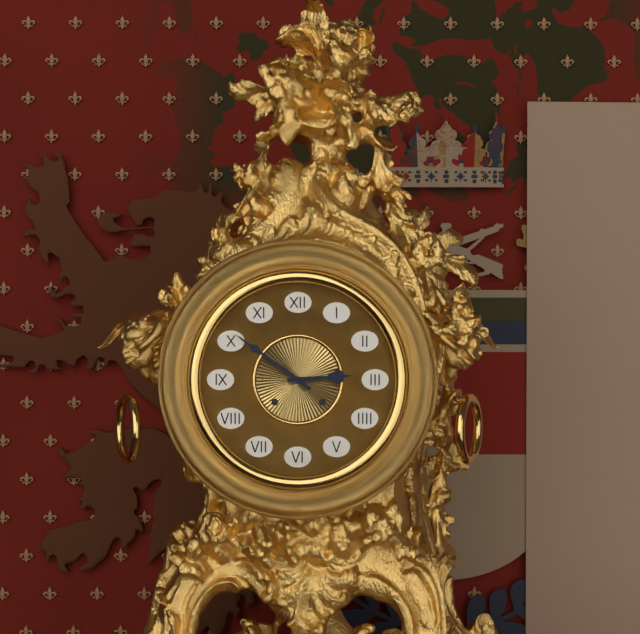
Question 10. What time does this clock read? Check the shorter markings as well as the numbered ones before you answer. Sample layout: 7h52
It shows 2h51
